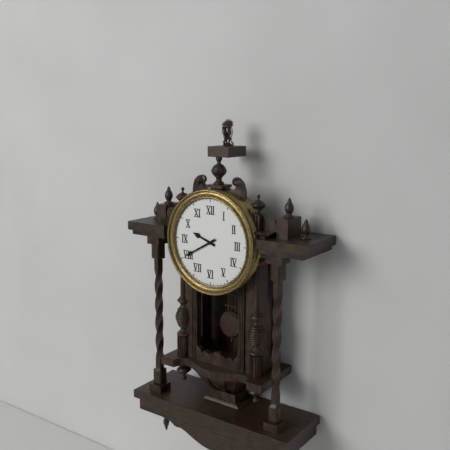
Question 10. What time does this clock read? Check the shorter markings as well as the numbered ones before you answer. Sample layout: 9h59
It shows 9h40
